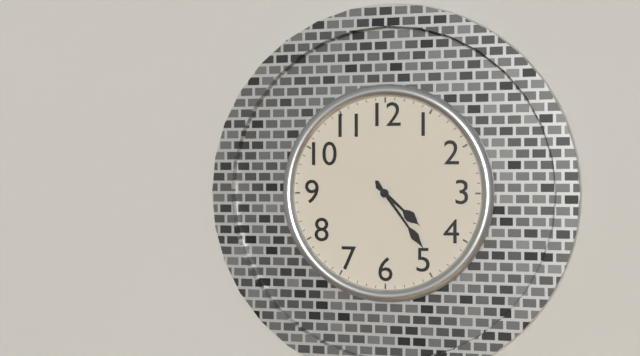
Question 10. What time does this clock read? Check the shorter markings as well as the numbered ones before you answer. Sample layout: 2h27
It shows 4h24
